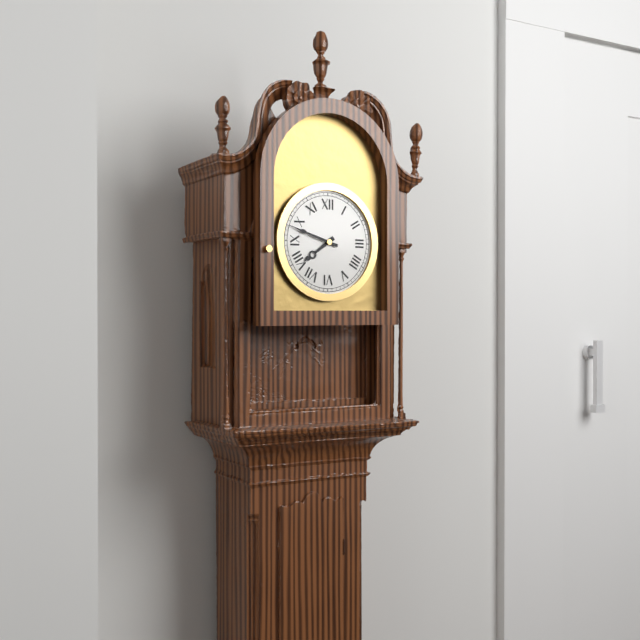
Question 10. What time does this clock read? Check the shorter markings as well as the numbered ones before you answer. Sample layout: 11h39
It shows 7h48
